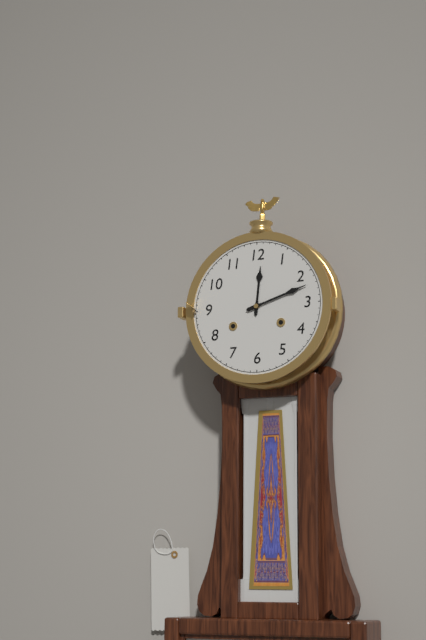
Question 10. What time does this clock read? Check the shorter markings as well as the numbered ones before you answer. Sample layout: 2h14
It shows 12h12
